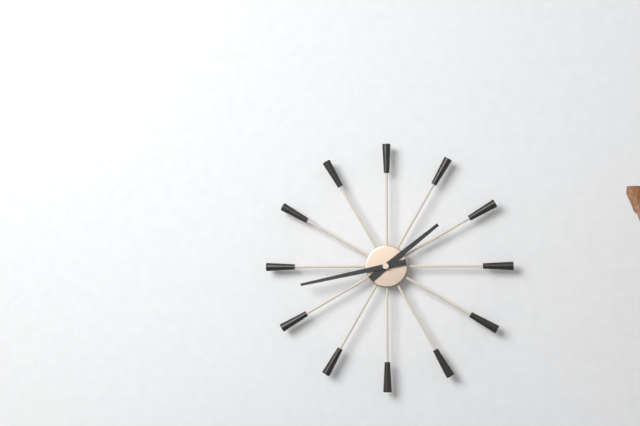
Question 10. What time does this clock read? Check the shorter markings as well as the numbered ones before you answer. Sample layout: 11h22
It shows 1h43
